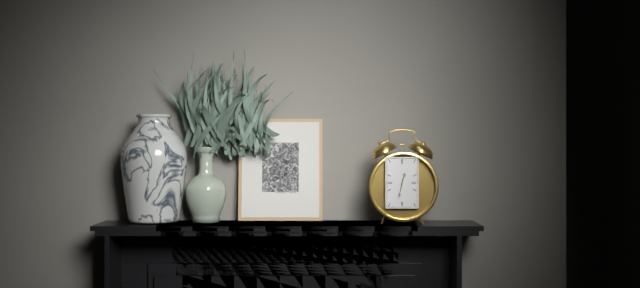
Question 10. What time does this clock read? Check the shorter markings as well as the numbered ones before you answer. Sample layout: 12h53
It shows 12h32
